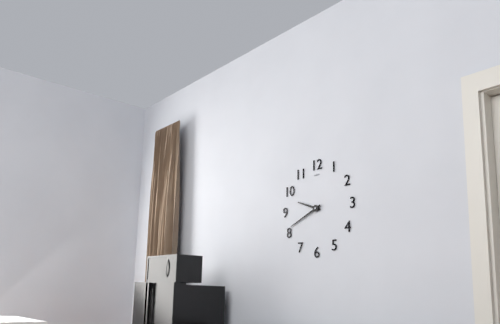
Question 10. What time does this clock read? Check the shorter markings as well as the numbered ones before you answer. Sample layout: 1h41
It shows 9h41
